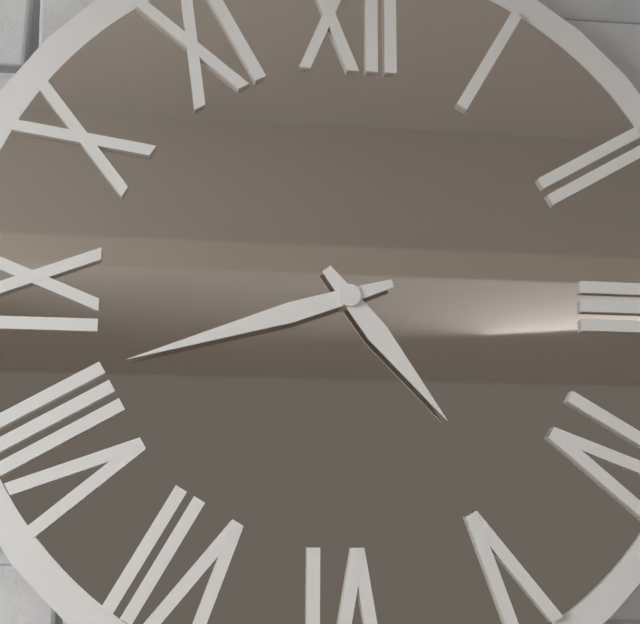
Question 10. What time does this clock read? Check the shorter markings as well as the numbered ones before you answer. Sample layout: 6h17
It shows 4h42
